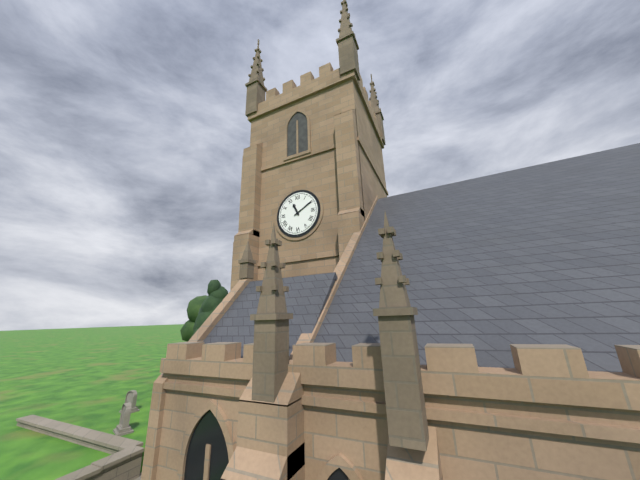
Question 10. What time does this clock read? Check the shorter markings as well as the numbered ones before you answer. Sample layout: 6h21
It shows 11h10
